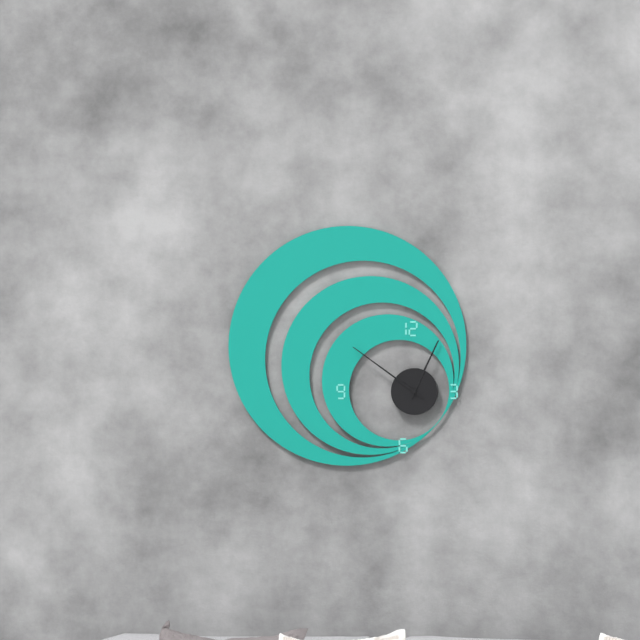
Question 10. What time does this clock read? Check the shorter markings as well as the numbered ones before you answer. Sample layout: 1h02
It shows 12h51
